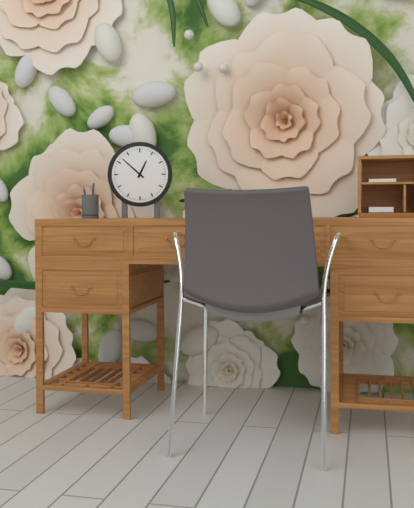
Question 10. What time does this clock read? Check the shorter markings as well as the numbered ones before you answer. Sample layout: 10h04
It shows 12h52
